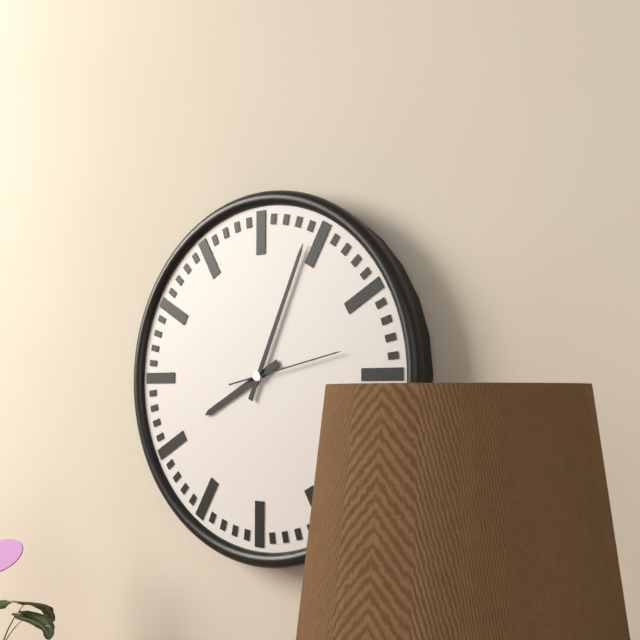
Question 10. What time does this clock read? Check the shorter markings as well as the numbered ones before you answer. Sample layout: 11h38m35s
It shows 8h04m13s
